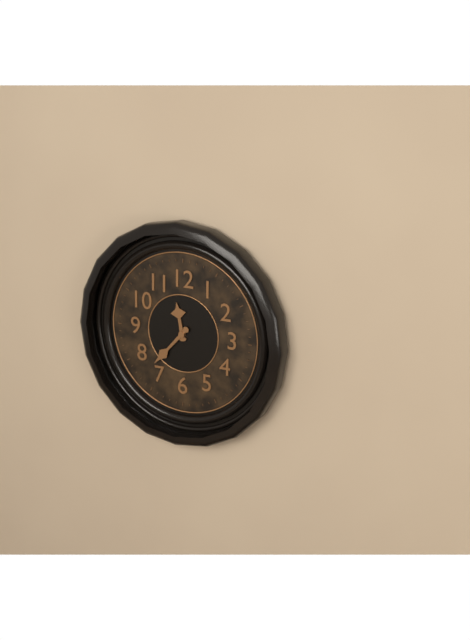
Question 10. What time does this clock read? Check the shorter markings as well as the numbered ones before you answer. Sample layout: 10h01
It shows 11h37
